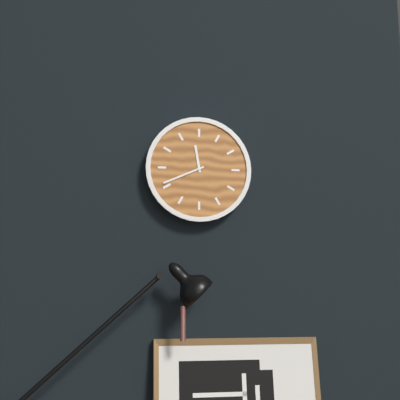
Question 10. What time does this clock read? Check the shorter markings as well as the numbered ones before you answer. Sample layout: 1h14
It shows 11h41
